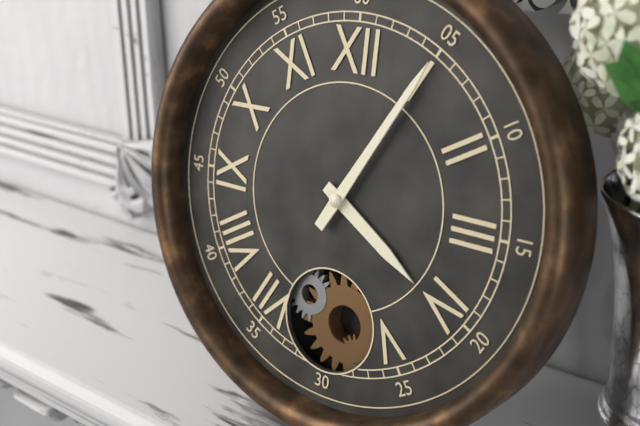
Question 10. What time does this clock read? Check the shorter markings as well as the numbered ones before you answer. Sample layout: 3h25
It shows 4h05
